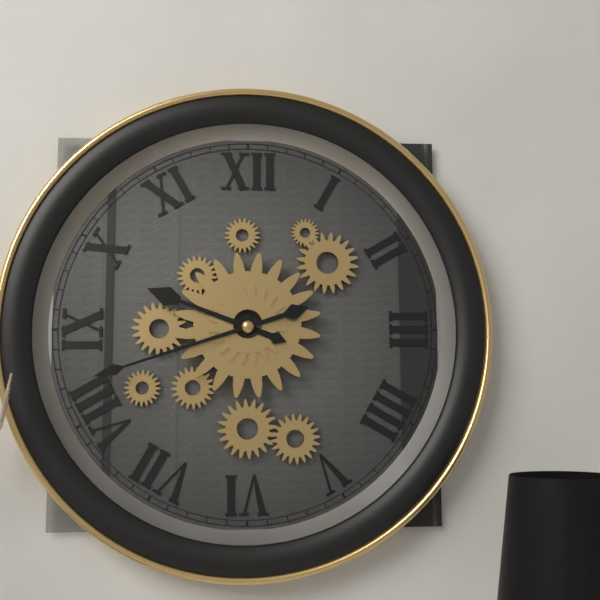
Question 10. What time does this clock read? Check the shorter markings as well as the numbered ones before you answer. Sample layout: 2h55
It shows 9h42
